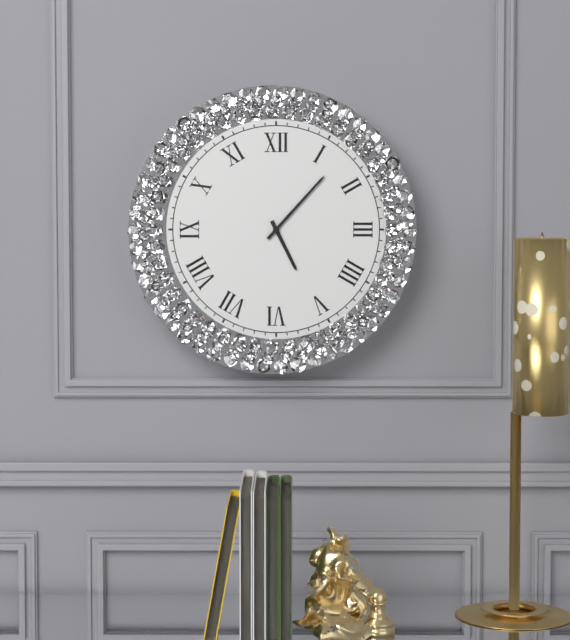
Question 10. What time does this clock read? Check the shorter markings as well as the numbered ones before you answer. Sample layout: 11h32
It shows 5h07
